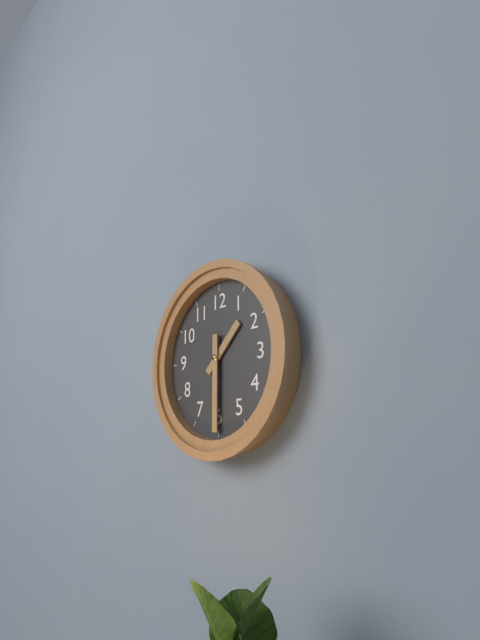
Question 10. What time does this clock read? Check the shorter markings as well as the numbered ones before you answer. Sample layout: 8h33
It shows 1h30
